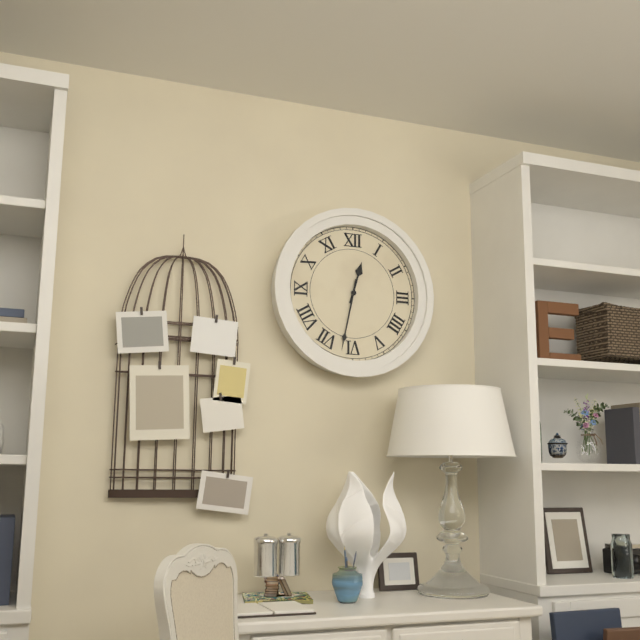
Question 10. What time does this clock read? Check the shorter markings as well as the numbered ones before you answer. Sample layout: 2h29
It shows 12h32
